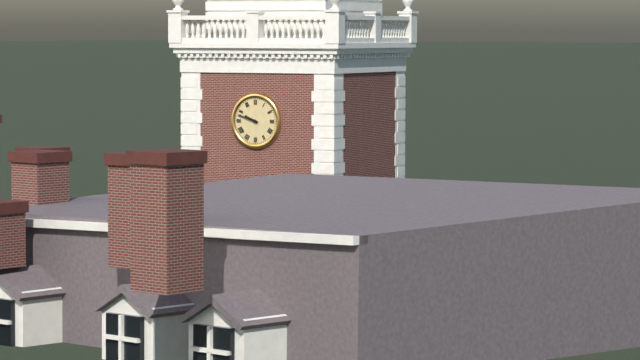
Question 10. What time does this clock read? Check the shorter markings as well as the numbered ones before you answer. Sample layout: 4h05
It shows 9h48
